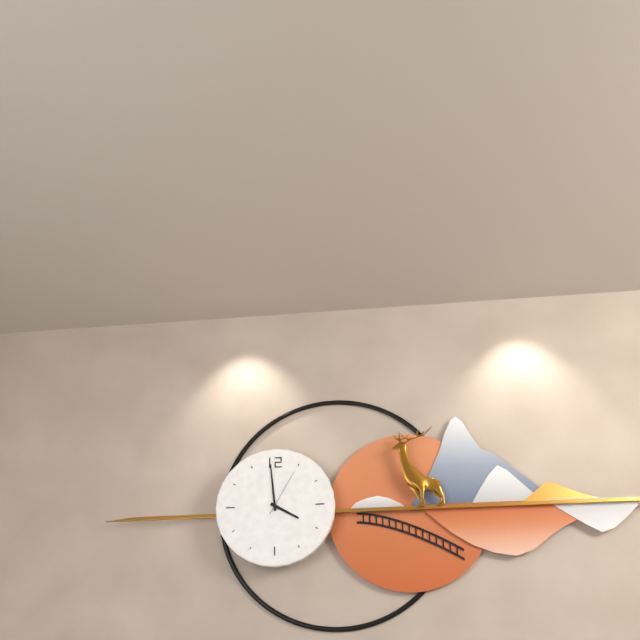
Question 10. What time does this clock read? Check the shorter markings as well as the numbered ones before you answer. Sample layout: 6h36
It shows 3h59
